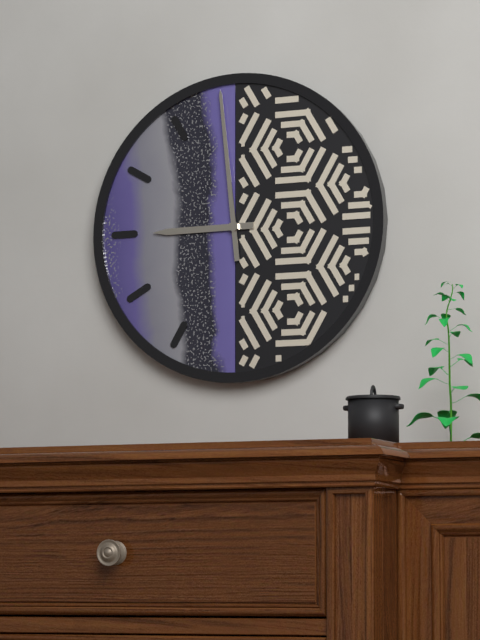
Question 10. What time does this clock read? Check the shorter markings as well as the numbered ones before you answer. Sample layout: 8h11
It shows 8h59
